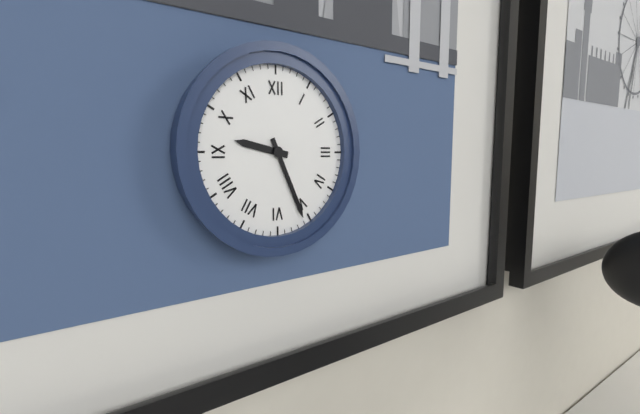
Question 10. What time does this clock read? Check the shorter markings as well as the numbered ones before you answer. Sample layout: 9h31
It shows 9h26
